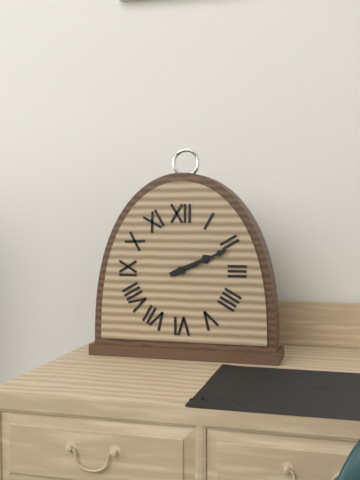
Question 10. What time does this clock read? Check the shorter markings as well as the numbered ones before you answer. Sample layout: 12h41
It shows 2h11
